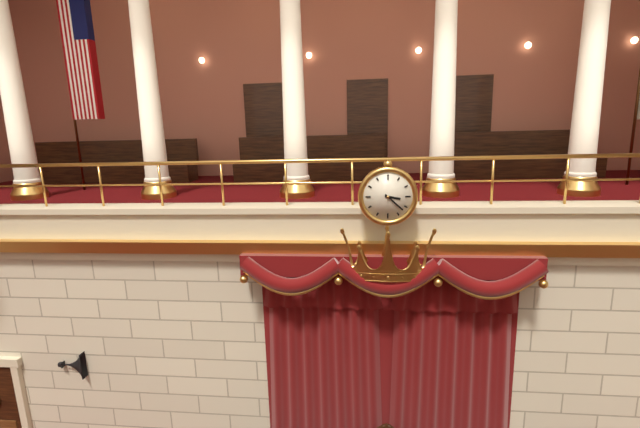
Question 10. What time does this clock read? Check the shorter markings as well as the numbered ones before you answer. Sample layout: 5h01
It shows 3h22
